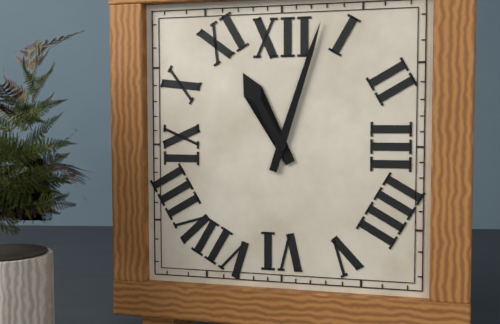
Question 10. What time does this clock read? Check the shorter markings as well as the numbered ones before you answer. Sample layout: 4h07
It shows 11h03
